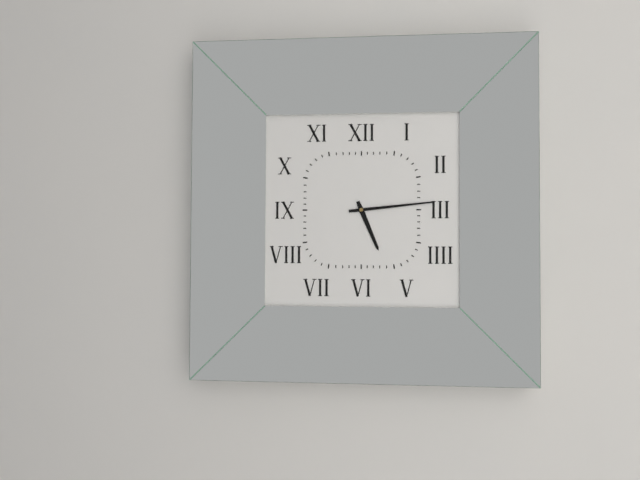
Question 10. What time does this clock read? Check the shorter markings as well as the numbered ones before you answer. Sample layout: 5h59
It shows 5h14
